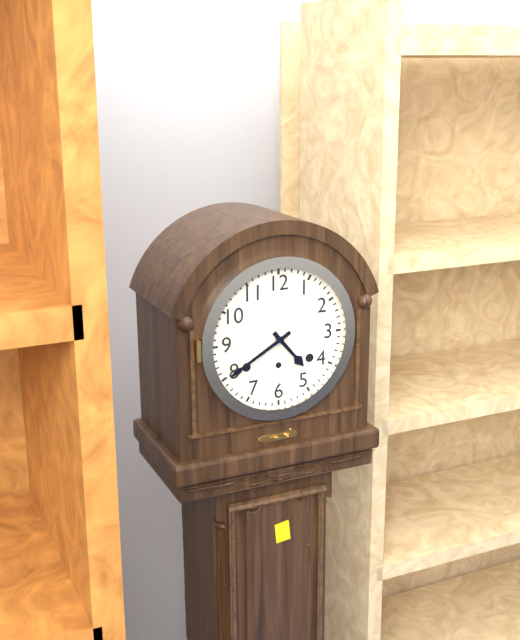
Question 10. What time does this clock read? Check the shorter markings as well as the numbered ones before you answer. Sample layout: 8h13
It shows 4h40
